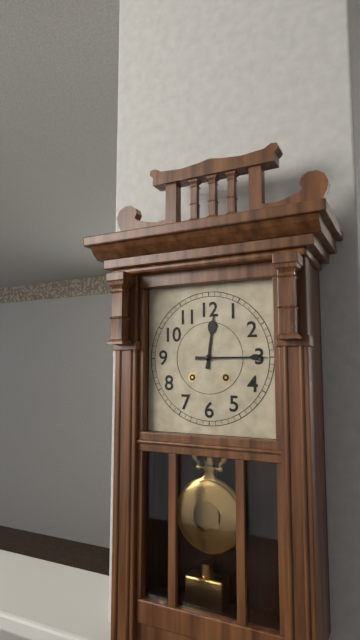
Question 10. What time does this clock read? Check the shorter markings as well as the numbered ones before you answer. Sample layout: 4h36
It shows 12h15
